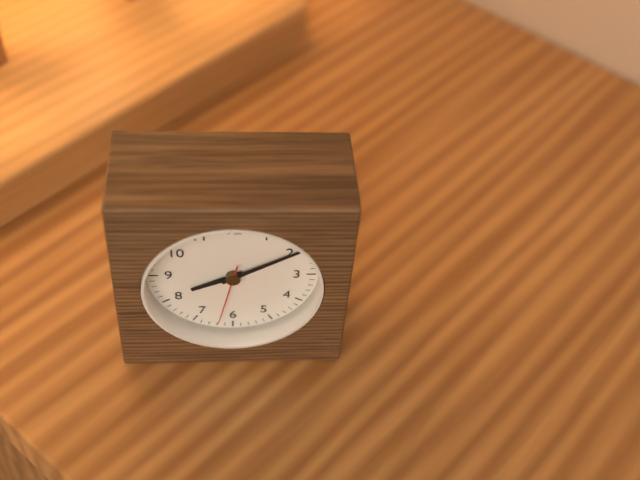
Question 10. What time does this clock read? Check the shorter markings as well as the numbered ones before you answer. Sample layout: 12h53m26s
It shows 8h10m32s
